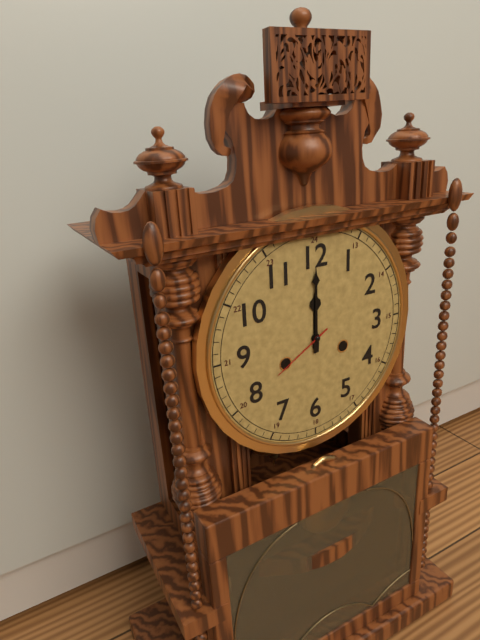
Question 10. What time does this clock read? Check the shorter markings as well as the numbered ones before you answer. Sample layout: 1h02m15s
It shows 12h00m40s
